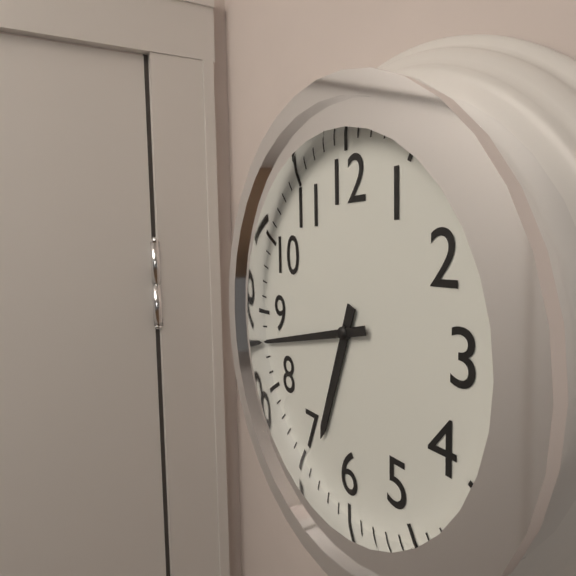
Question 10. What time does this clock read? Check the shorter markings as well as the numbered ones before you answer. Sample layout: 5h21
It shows 6h43
